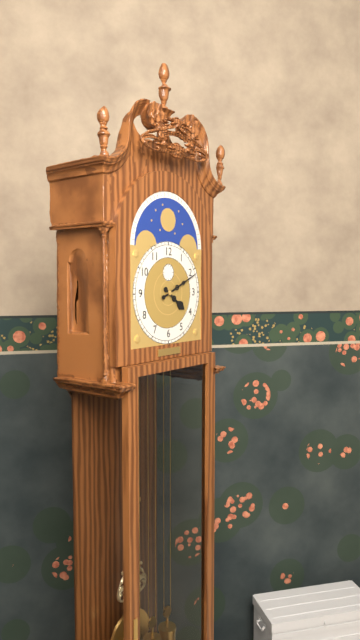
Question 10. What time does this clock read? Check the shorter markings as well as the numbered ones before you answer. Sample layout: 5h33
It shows 4h11
